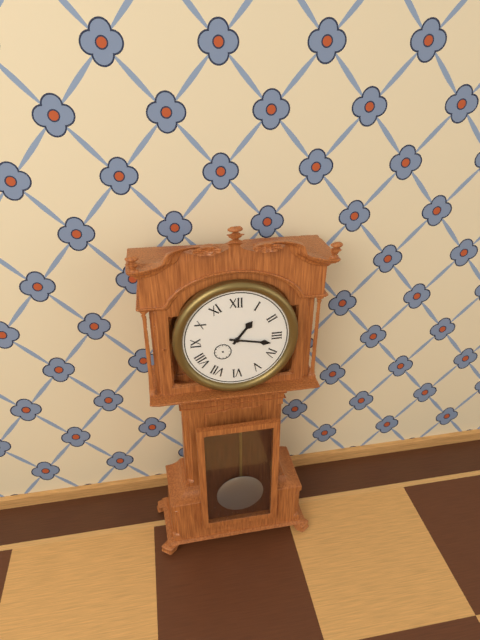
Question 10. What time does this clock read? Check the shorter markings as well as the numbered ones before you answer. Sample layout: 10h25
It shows 1h17
